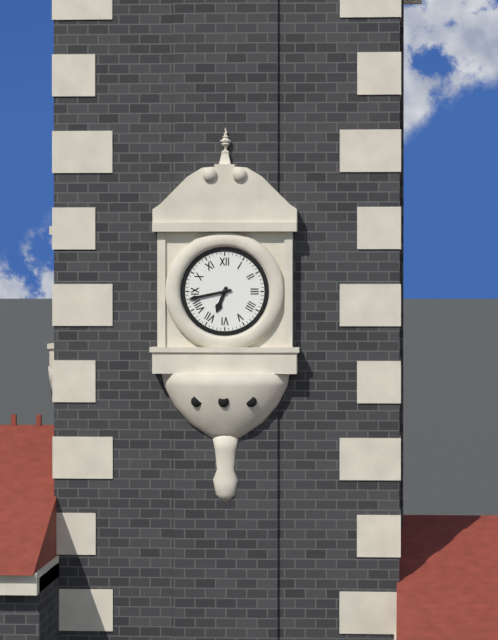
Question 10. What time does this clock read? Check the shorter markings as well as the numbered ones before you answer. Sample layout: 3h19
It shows 6h43
